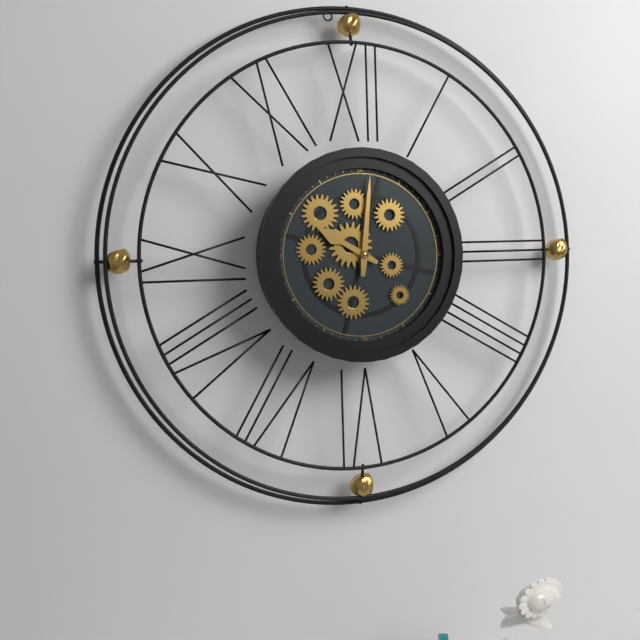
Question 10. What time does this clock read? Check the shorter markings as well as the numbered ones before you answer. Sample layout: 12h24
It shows 10h01
